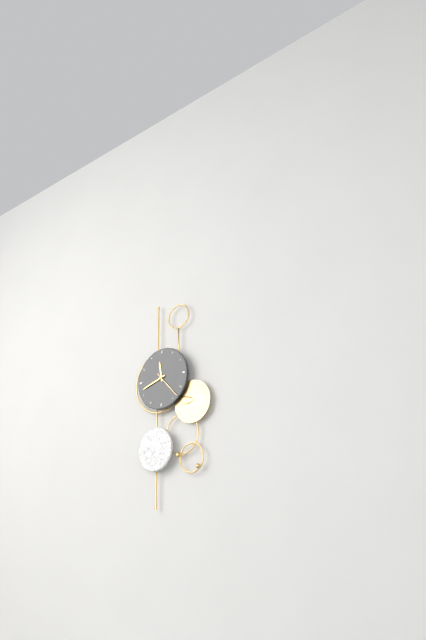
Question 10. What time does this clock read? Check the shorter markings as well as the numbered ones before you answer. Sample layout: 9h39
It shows 11h42
